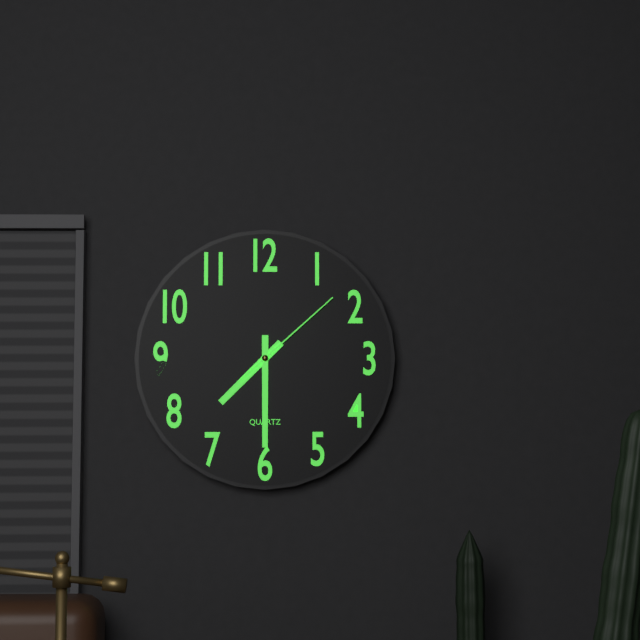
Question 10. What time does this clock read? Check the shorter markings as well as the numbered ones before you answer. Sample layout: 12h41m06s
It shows 7h30m08s
